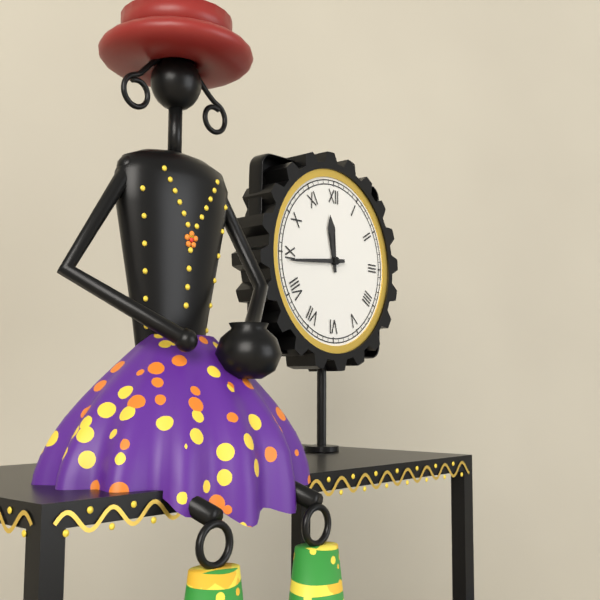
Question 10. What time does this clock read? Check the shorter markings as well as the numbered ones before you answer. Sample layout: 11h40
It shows 11h44
